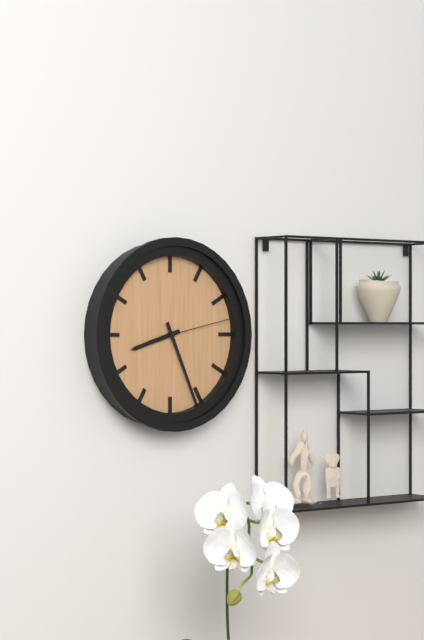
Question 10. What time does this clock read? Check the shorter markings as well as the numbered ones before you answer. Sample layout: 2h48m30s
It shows 8h26m13s
